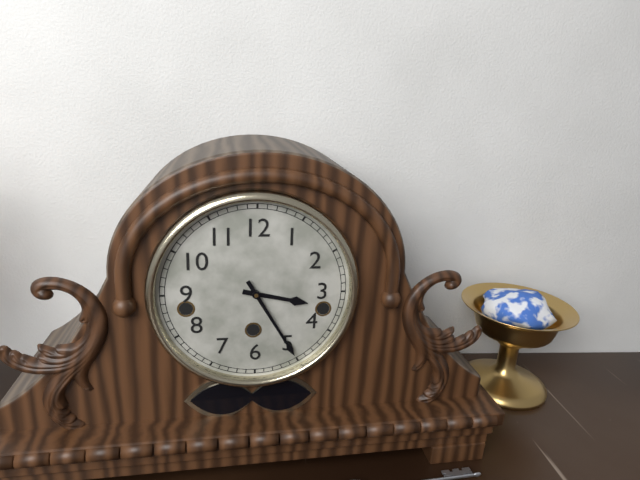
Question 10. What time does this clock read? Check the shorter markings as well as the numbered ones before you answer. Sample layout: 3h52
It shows 3h25
